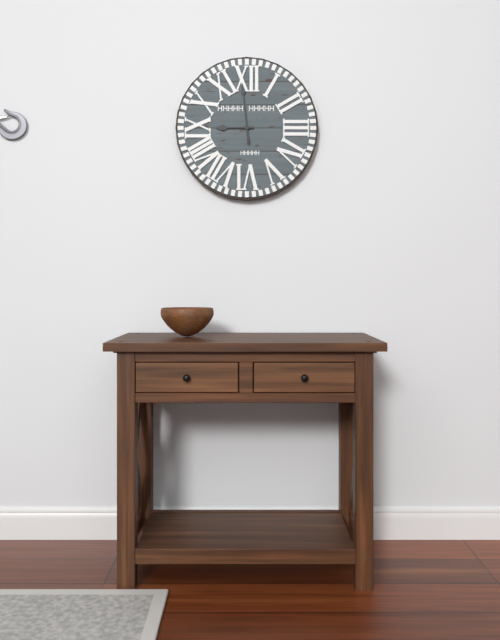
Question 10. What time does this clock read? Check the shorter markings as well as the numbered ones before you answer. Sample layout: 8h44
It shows 8h59
